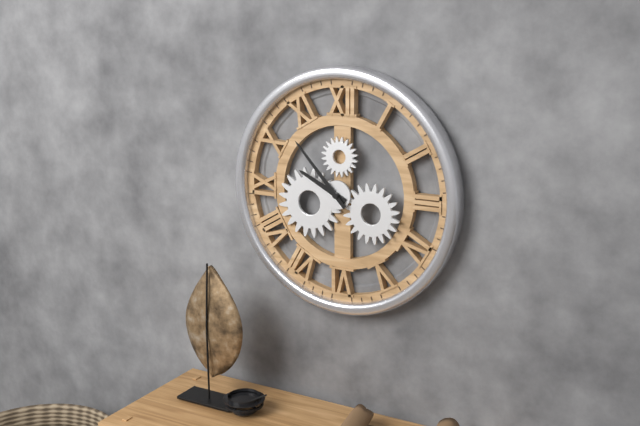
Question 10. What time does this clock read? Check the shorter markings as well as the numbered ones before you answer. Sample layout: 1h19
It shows 9h53
